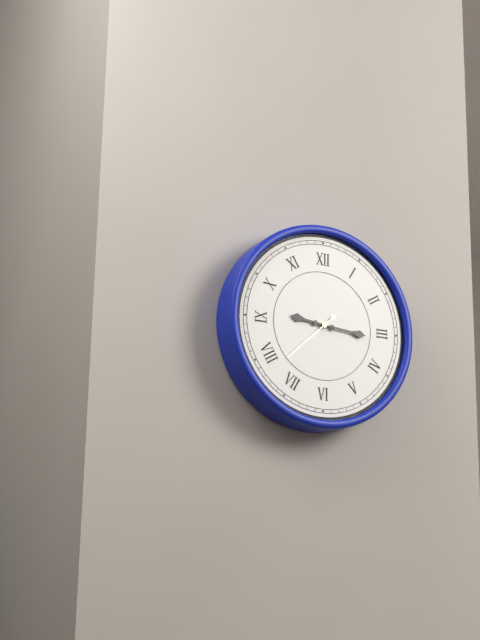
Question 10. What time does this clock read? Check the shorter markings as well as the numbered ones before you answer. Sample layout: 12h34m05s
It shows 9h16m38s
